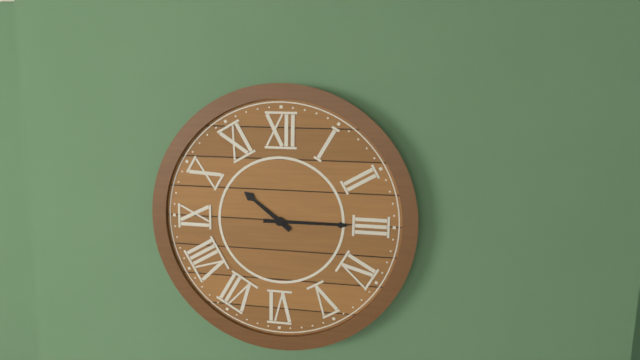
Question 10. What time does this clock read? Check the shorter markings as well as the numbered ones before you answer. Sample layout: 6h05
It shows 10h15
